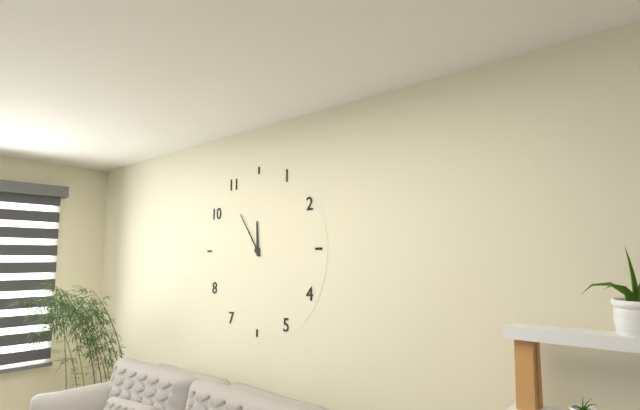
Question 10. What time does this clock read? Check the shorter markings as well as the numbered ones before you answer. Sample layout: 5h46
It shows 11h54
